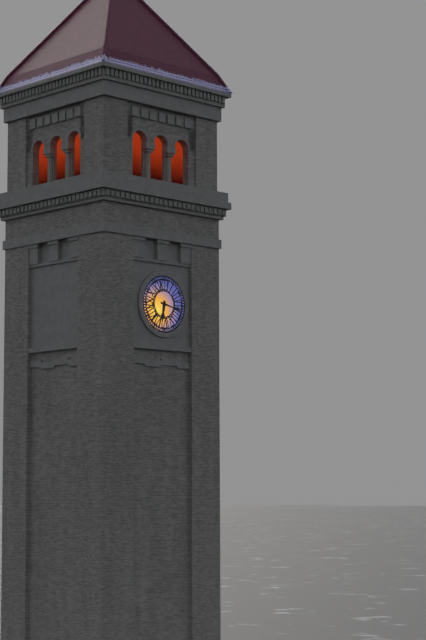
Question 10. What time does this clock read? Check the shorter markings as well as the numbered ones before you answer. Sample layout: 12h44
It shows 6h17
